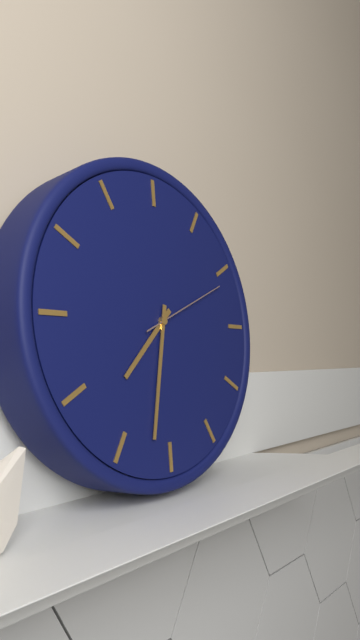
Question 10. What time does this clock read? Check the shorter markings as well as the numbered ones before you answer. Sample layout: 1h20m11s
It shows 7h32m11s
